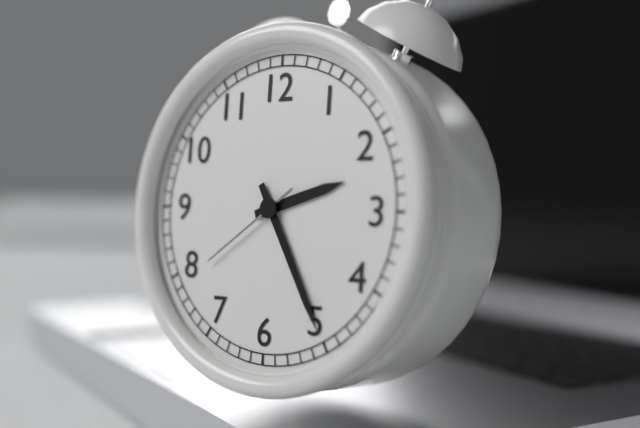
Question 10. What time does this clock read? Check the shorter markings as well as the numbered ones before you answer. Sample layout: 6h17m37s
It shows 2h25m39s
